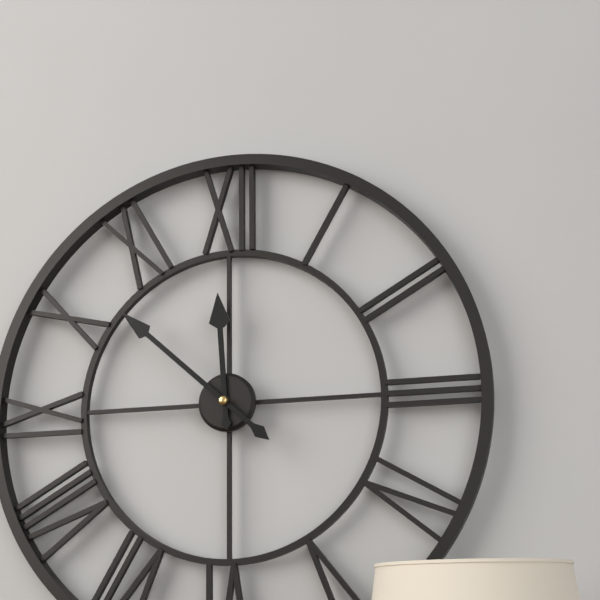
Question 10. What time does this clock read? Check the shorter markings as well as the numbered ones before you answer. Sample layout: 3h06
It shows 11h52
